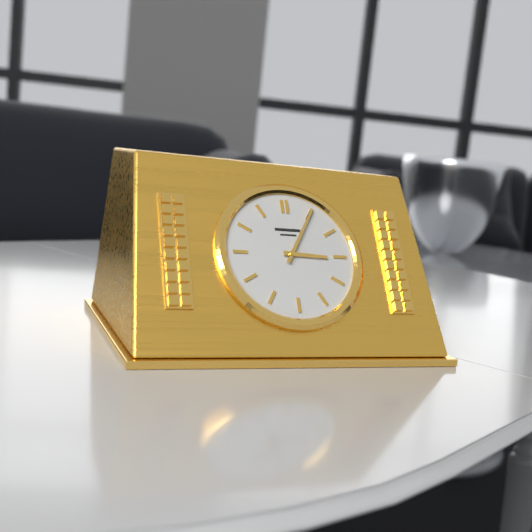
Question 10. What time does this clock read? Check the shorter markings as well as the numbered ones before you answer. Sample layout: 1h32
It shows 3h05
